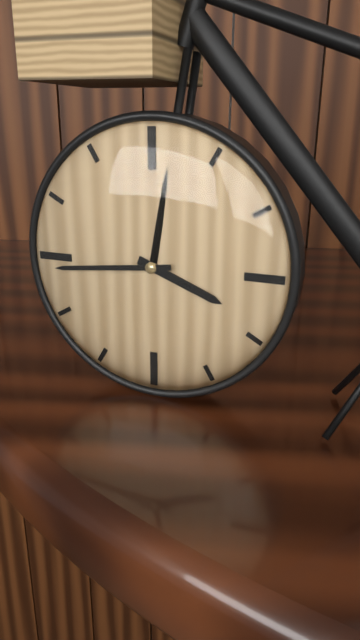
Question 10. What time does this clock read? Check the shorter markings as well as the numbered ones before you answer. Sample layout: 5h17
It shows 3h44
